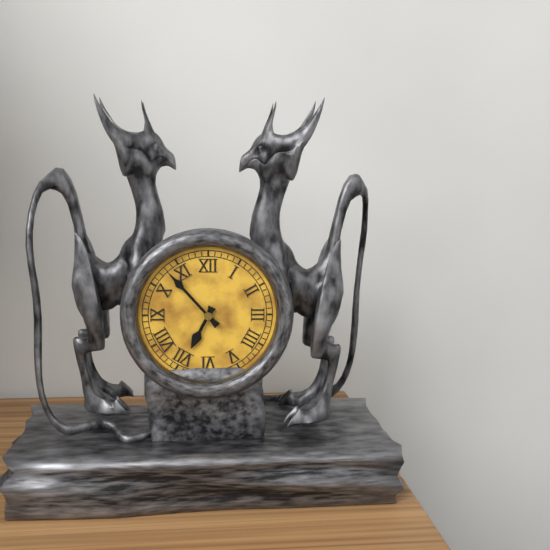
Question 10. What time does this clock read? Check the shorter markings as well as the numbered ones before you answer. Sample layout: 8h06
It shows 6h53
